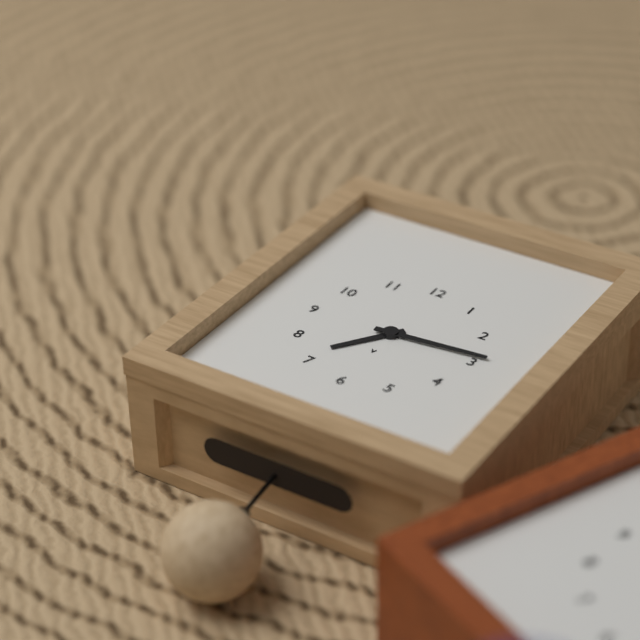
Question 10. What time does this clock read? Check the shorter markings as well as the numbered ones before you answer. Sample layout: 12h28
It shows 7h14
